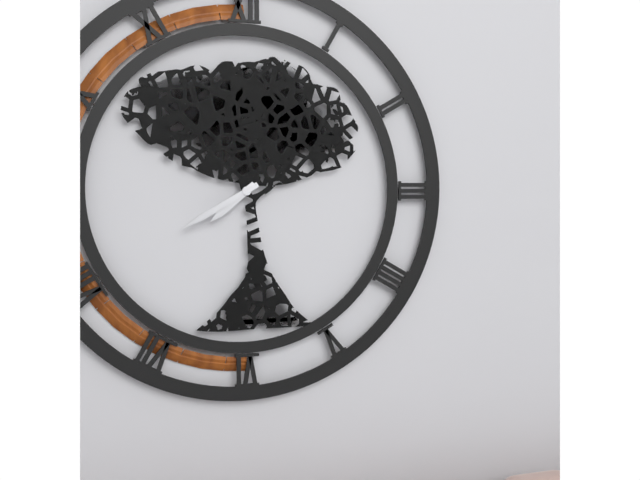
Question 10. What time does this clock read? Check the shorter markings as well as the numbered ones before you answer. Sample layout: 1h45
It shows 7h40
